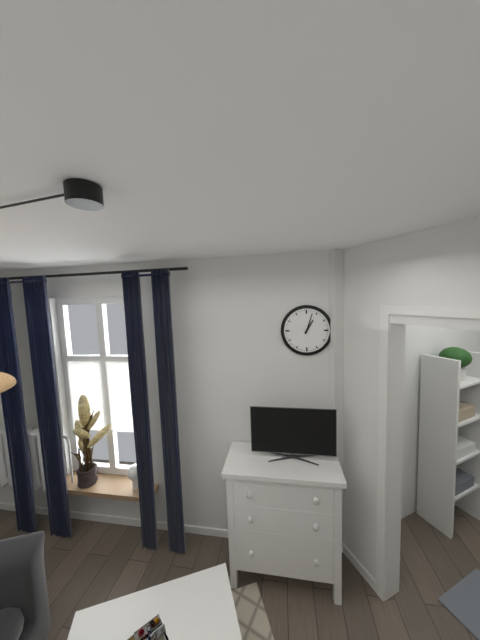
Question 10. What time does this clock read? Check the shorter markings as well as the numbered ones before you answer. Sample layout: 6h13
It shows 1h03
